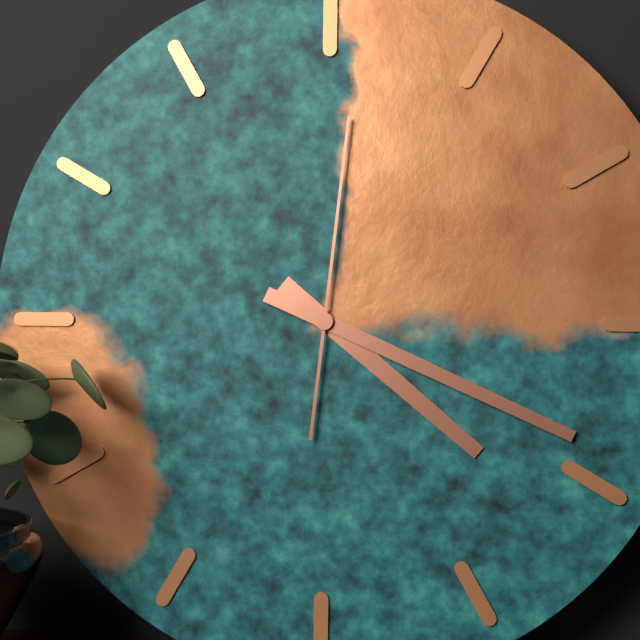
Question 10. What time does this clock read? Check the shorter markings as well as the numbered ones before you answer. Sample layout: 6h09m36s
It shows 4h19m01s
